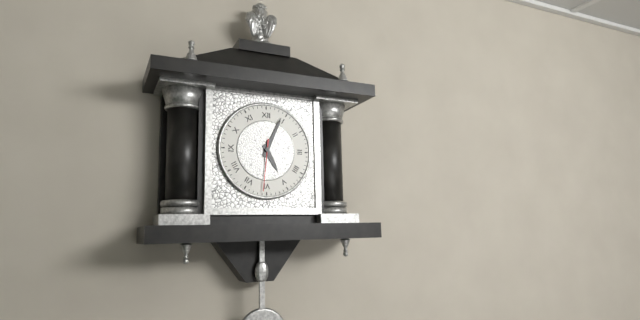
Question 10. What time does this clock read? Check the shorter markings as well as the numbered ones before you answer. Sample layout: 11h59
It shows 5h04
